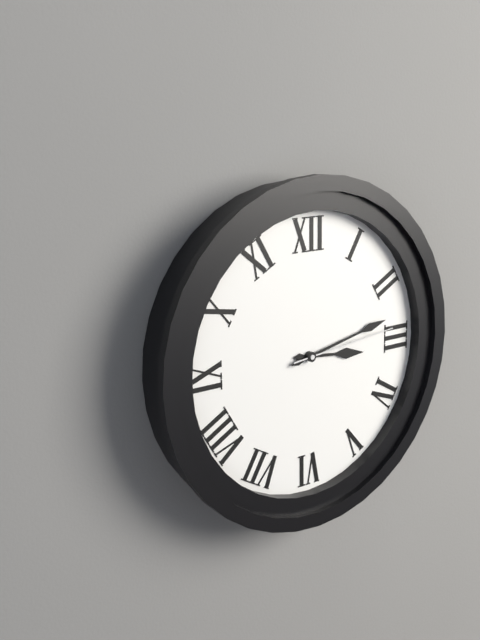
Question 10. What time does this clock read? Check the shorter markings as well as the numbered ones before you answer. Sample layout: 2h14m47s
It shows 3h13m14s
